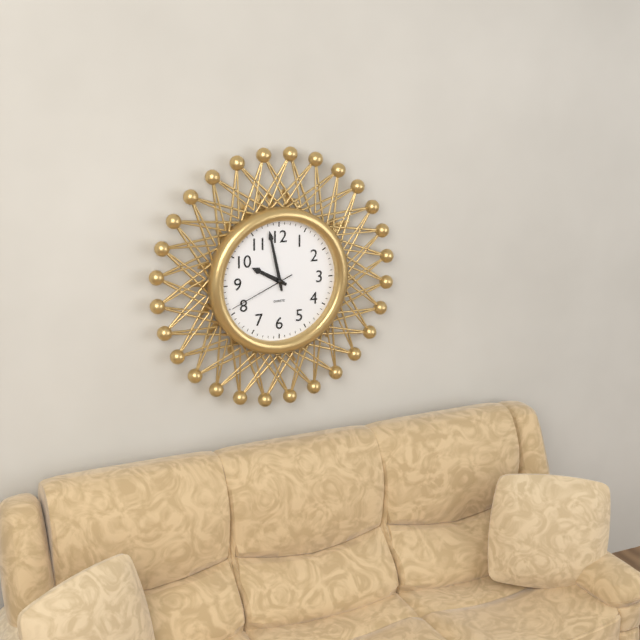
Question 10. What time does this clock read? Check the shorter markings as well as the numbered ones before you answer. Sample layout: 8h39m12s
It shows 9h58m41s
